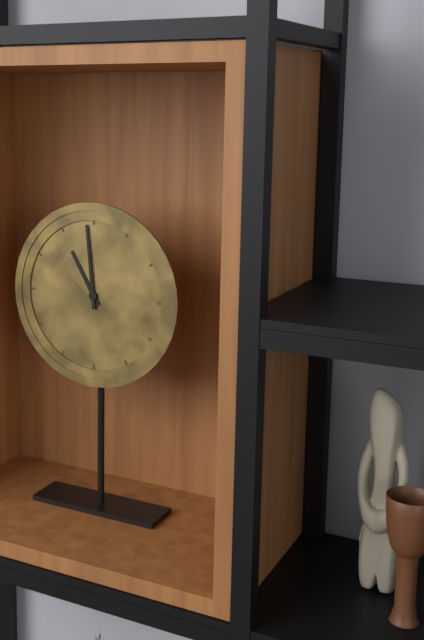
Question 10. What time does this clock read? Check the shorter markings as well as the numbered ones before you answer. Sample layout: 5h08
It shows 10h59
